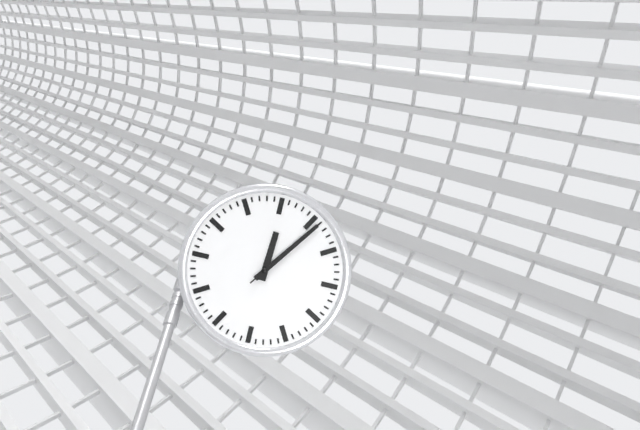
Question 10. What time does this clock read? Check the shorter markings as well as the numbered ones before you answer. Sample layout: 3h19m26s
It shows 12h06m06s
